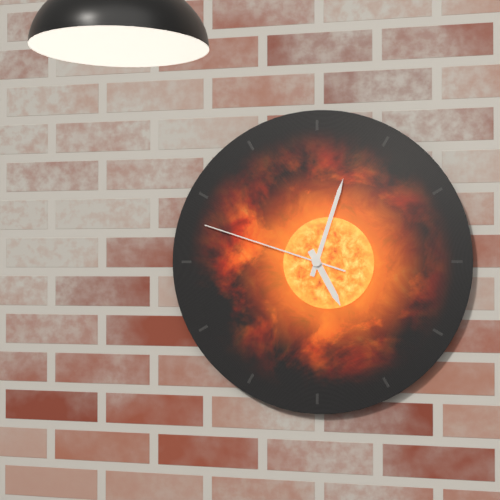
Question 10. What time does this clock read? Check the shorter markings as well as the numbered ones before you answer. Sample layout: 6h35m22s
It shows 5h03m48s
